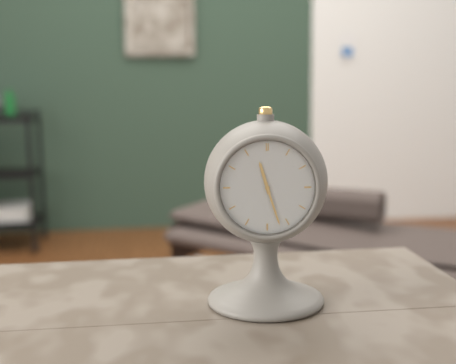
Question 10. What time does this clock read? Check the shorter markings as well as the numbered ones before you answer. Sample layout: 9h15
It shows 11h27
